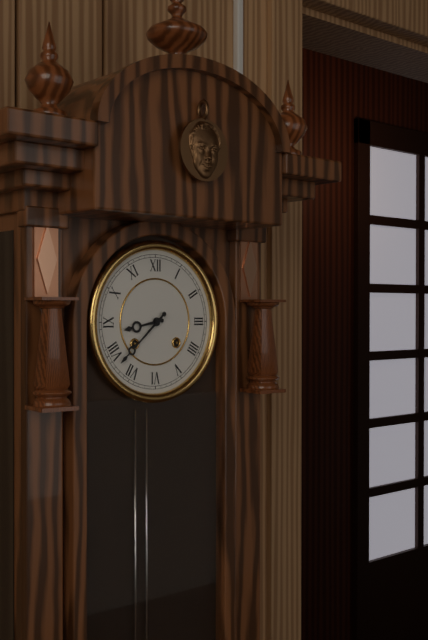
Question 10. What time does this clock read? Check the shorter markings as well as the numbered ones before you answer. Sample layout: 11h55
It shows 8h38
